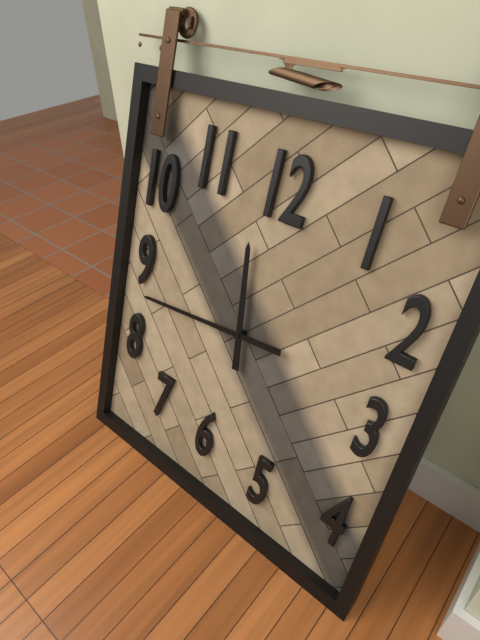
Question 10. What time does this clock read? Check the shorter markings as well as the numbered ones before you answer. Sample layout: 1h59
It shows 11h44
